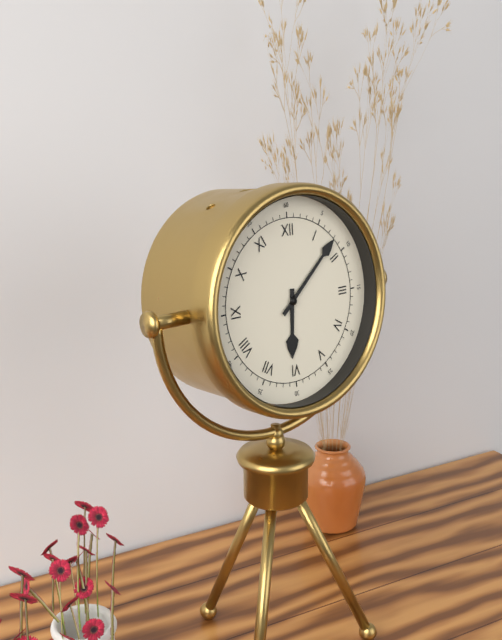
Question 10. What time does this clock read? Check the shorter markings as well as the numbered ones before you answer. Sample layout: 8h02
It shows 6h08
